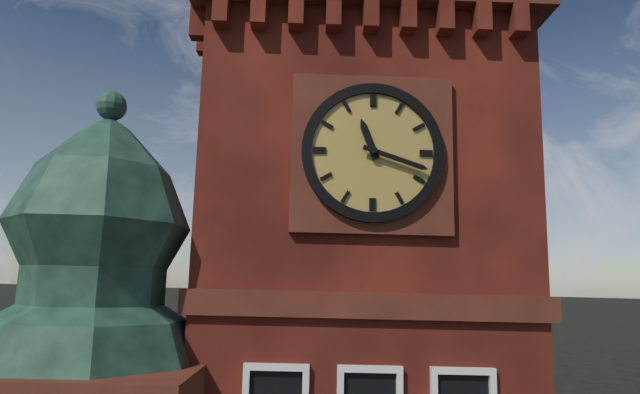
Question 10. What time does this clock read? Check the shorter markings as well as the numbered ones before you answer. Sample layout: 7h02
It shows 11h18
